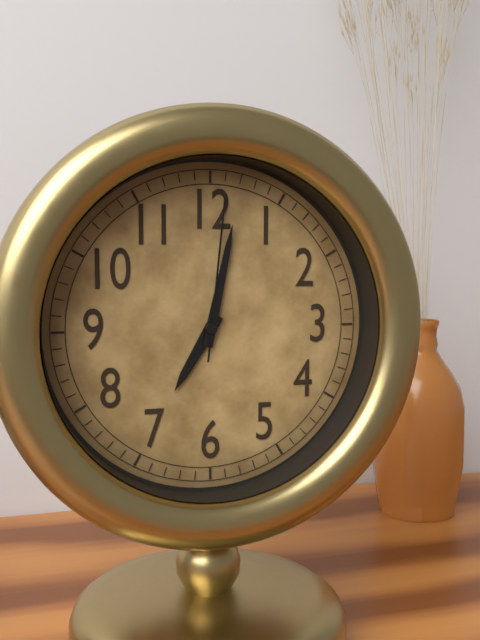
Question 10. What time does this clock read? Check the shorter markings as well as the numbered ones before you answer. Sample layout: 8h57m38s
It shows 7h02m01s
